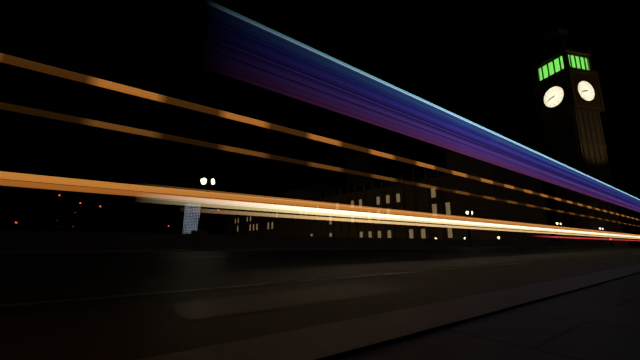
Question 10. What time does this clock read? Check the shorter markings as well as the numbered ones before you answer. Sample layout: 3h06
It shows 8h42
